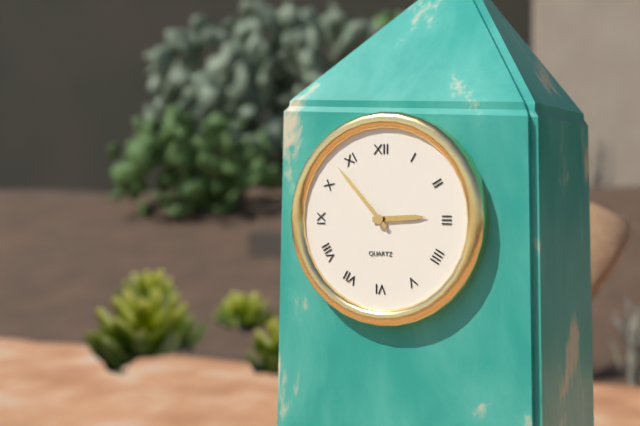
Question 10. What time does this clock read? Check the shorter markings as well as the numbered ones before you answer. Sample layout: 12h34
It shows 2h53
